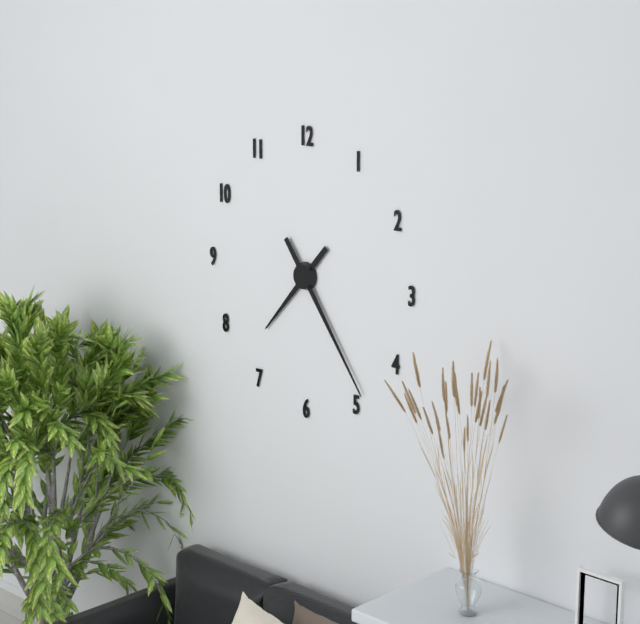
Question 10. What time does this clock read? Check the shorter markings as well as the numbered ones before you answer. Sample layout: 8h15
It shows 7h24
